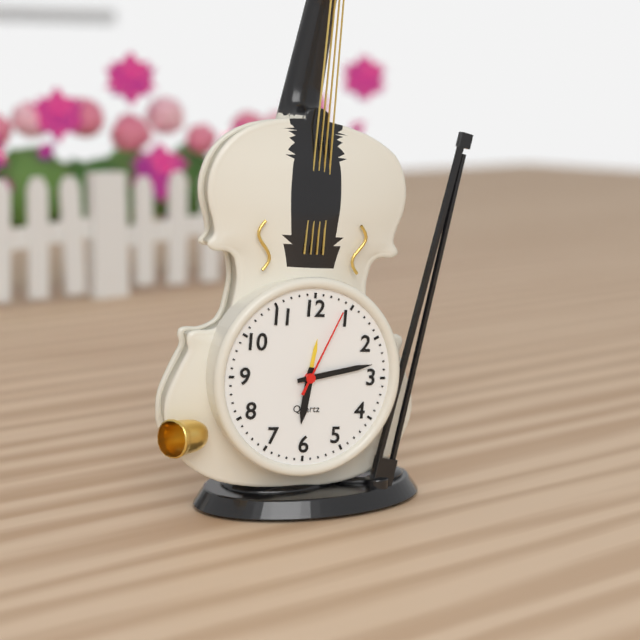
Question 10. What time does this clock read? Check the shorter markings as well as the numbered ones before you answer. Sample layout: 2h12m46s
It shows 6h13m04s
